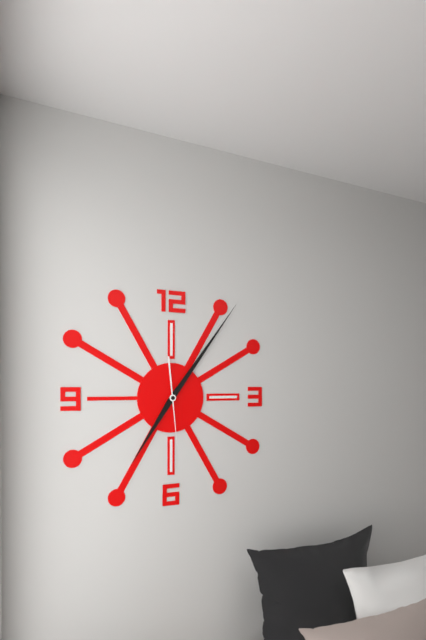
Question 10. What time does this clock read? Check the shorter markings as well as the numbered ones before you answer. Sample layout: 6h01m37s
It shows 7h06m29s
